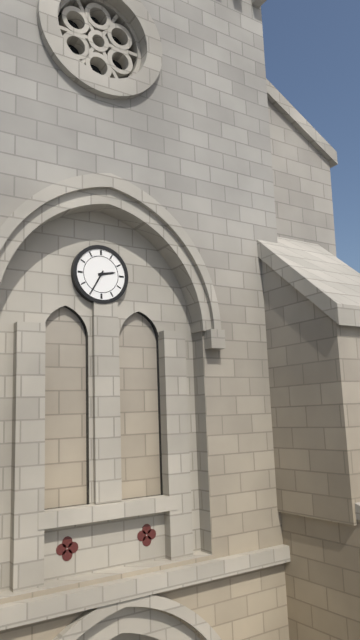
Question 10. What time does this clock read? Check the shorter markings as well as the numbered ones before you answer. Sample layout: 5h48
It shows 2h35
